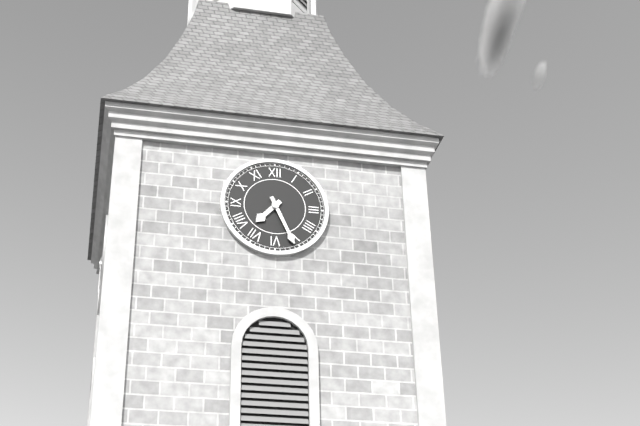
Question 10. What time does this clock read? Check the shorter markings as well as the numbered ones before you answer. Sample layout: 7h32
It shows 7h26
